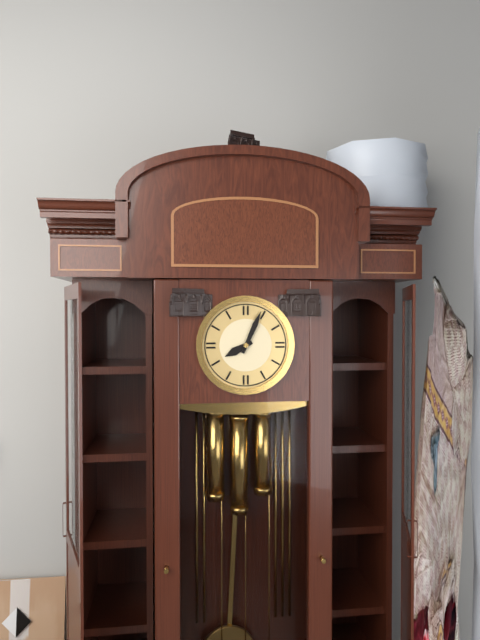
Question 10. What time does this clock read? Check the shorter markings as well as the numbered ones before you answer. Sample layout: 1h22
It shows 8h04
